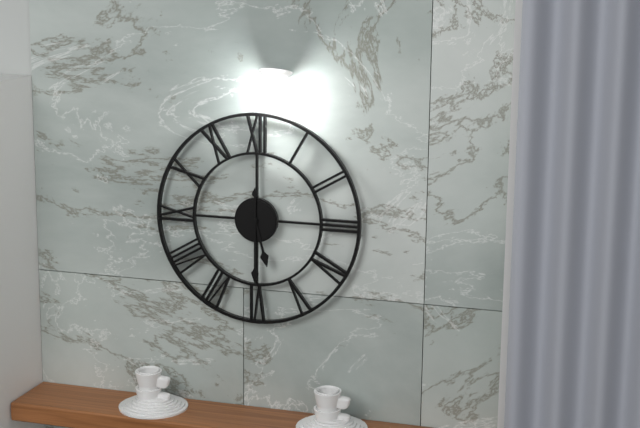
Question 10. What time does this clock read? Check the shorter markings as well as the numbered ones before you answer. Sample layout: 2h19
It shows 5h30
